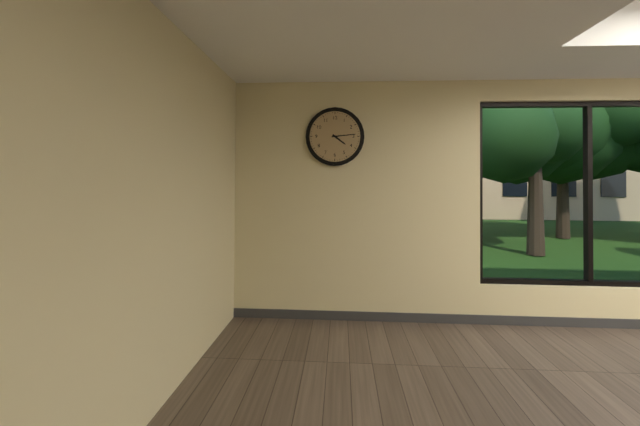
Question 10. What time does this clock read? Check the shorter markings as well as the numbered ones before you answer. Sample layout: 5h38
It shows 4h14
